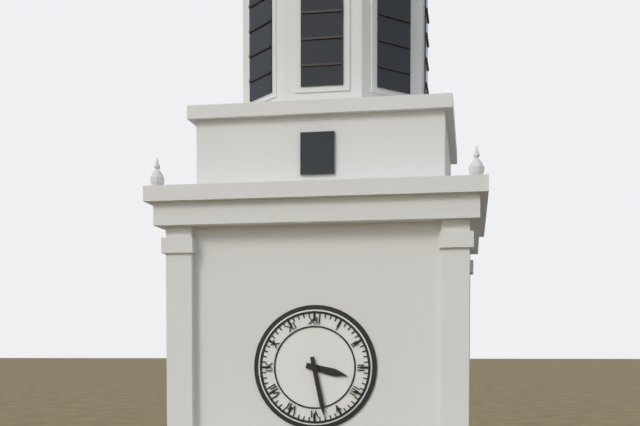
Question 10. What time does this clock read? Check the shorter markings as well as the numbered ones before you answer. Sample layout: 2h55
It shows 3h28
